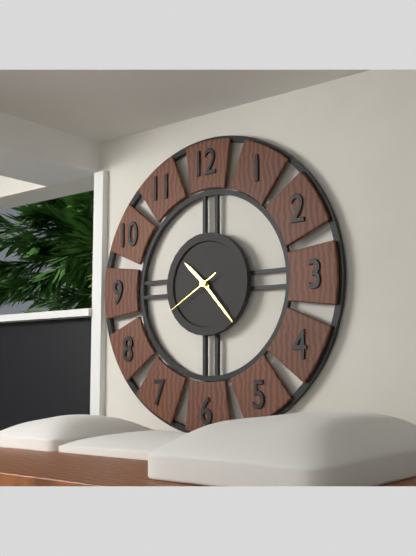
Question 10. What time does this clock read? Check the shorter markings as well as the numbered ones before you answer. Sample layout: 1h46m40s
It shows 10h23m40s
